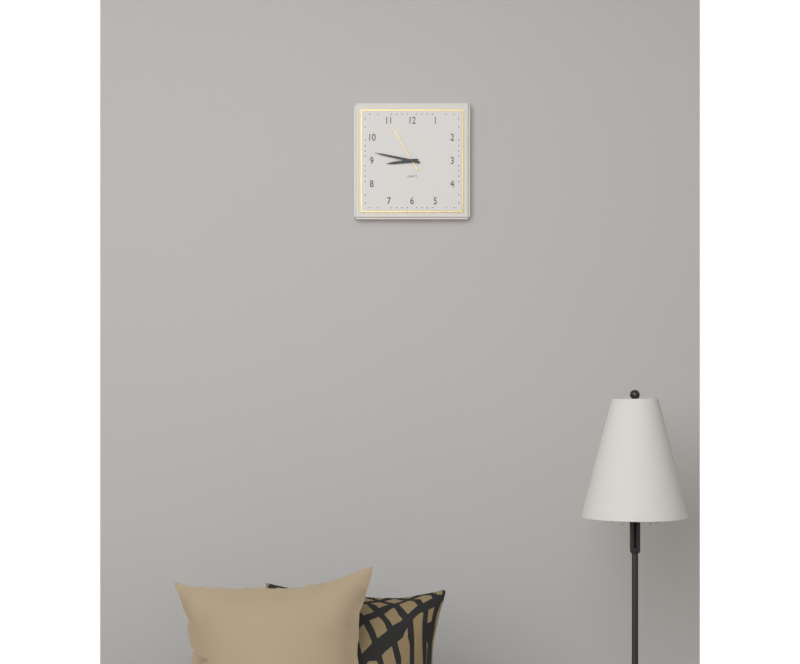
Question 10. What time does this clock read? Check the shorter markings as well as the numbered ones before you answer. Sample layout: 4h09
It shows 8h47
